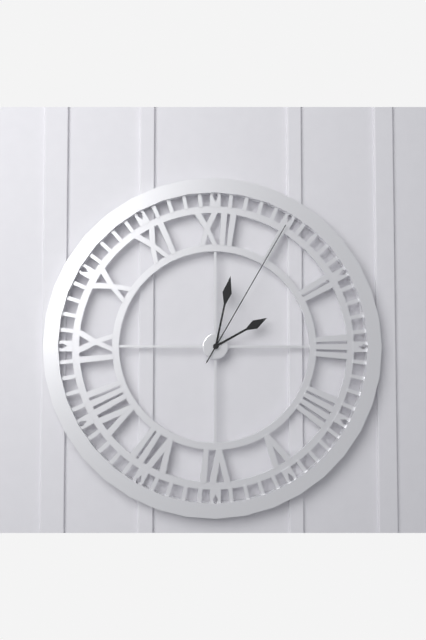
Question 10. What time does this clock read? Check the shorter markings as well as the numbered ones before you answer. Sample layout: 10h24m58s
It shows 2h02m05s
